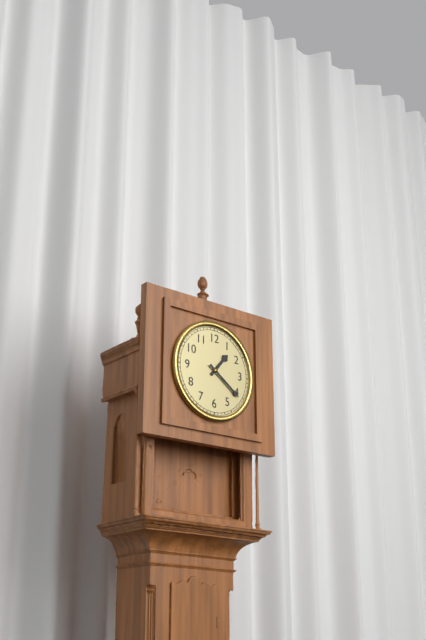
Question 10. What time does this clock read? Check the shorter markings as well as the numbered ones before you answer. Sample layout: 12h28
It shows 1h21
